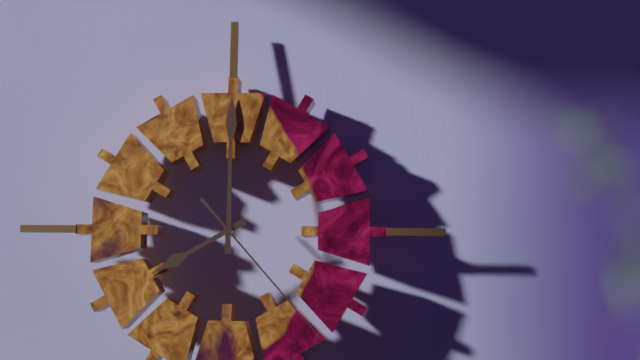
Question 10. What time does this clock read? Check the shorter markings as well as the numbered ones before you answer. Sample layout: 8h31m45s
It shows 8h00m23s
